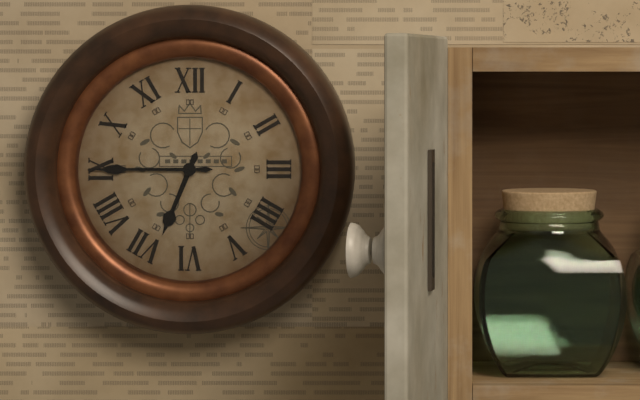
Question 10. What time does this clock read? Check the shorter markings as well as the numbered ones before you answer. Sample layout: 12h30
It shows 6h45
